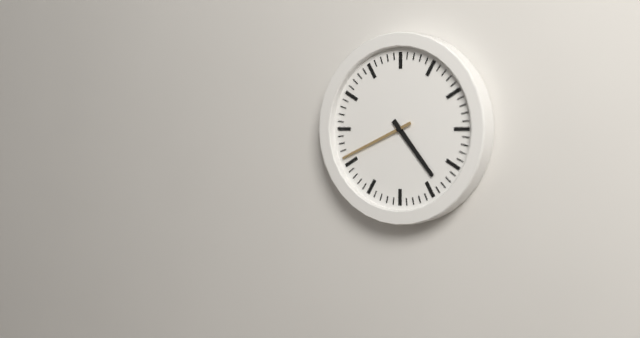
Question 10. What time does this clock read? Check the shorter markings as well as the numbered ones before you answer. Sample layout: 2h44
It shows 4h41
